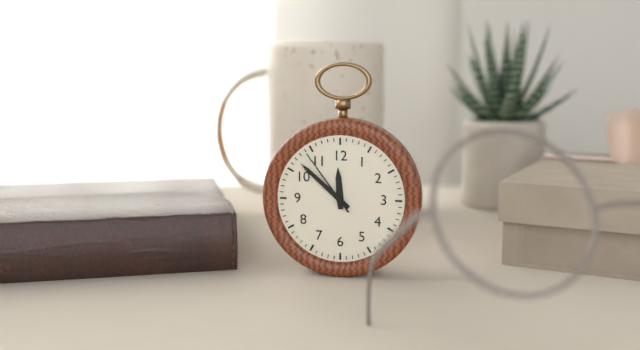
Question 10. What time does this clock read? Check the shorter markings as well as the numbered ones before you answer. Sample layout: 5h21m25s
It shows 11h52m54s
